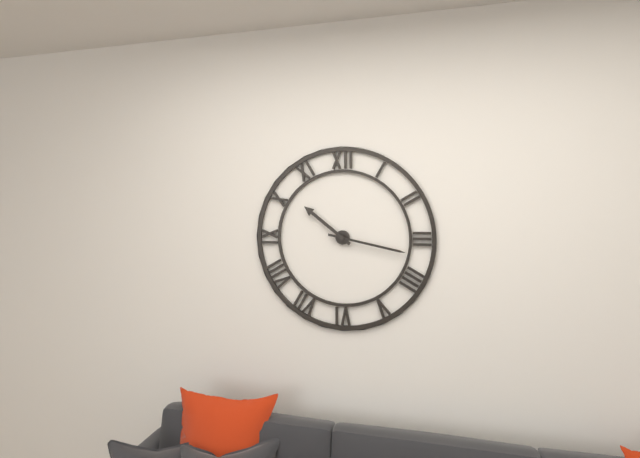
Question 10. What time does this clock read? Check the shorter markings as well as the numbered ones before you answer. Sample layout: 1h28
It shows 10h17
